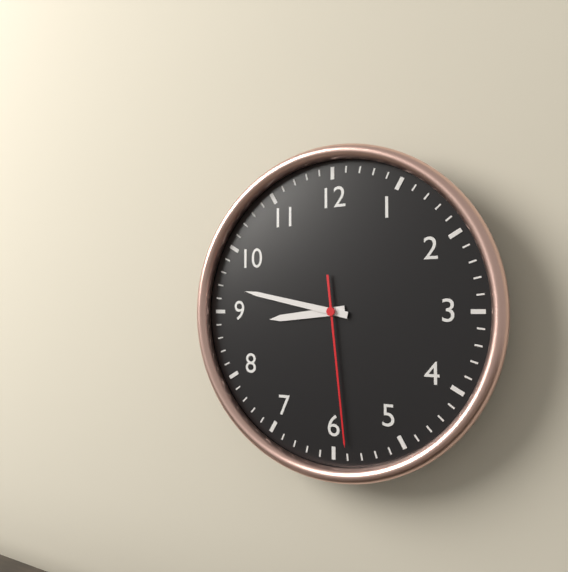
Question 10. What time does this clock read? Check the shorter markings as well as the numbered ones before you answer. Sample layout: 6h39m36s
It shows 8h47m29s
